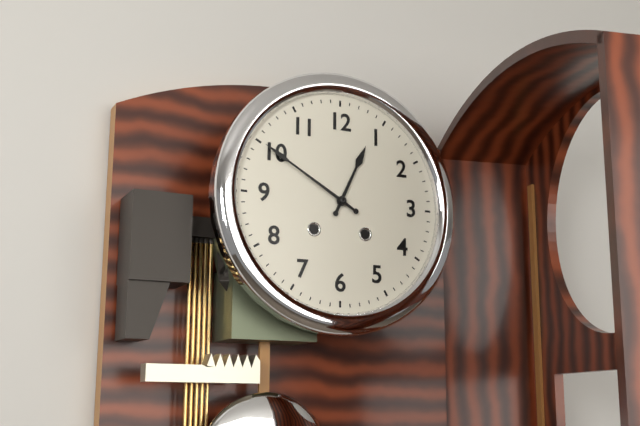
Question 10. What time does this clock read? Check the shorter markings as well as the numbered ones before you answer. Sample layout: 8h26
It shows 12h50
